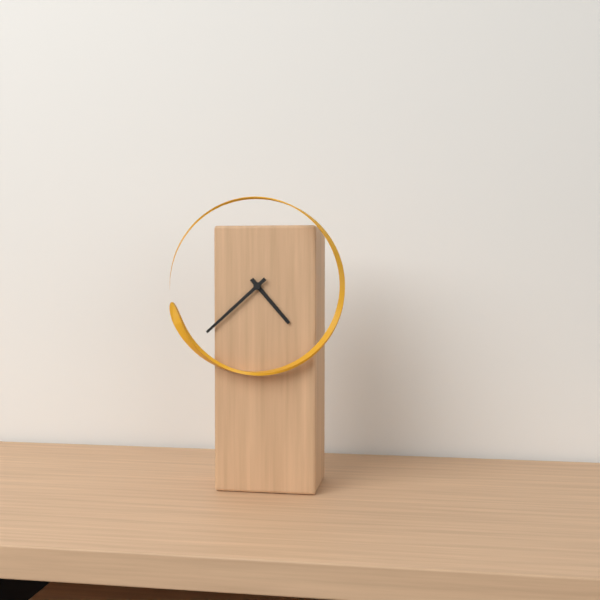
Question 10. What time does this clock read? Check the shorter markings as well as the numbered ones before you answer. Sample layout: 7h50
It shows 4h38
